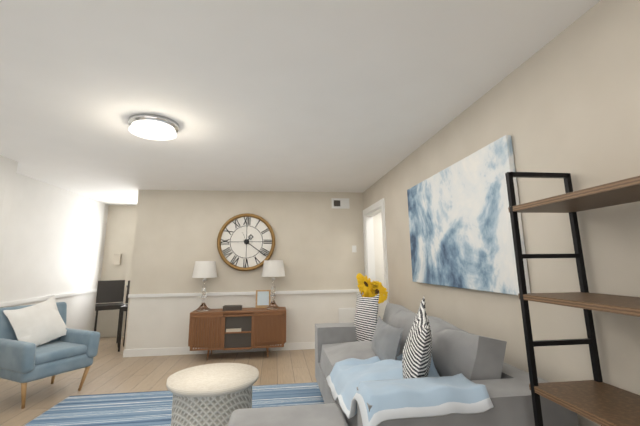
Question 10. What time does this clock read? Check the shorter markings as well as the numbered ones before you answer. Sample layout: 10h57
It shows 1h21
